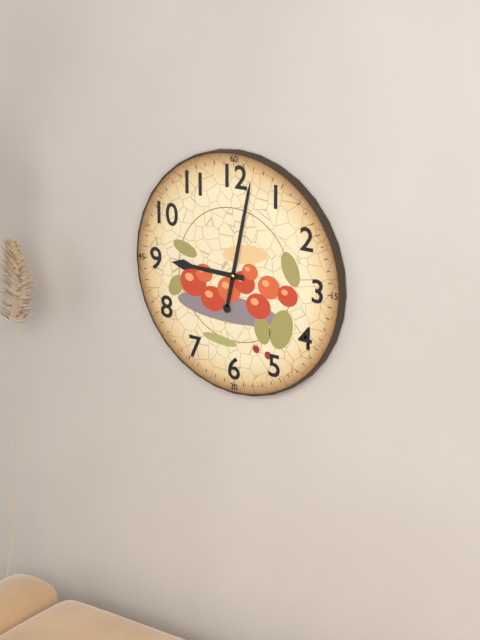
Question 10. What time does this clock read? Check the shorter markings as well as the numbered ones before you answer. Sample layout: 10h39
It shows 9h02
